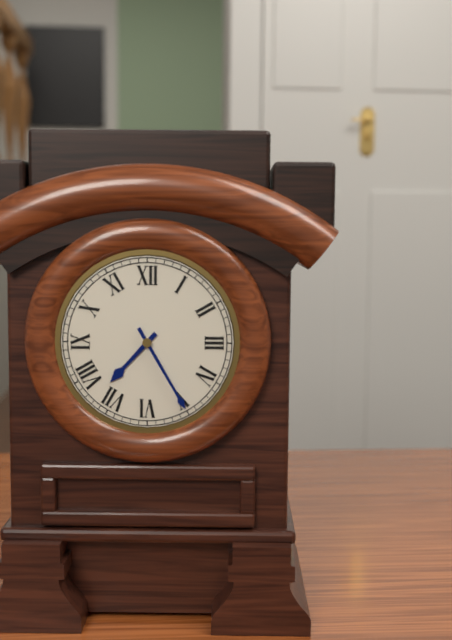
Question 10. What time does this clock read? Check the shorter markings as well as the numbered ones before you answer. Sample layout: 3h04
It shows 7h25
